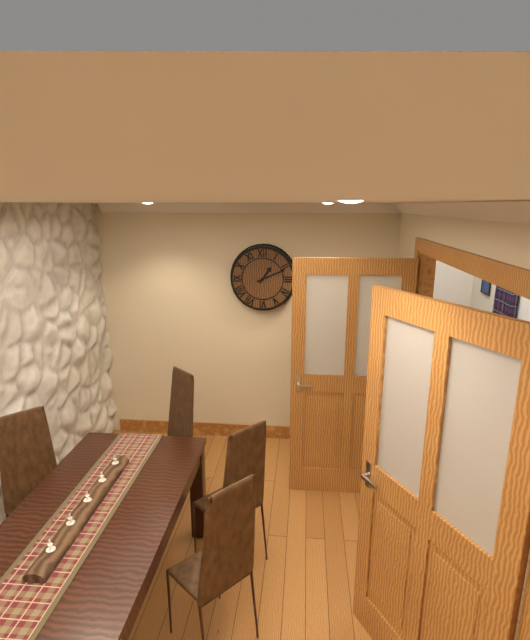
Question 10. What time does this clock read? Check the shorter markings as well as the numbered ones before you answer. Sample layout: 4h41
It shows 1h11
